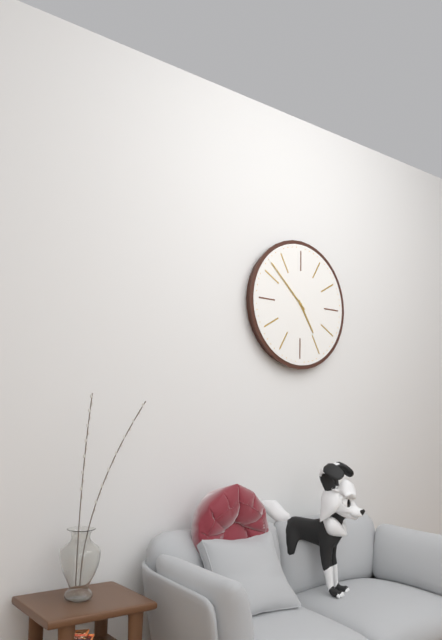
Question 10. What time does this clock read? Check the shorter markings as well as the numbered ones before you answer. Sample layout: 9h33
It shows 4h52
